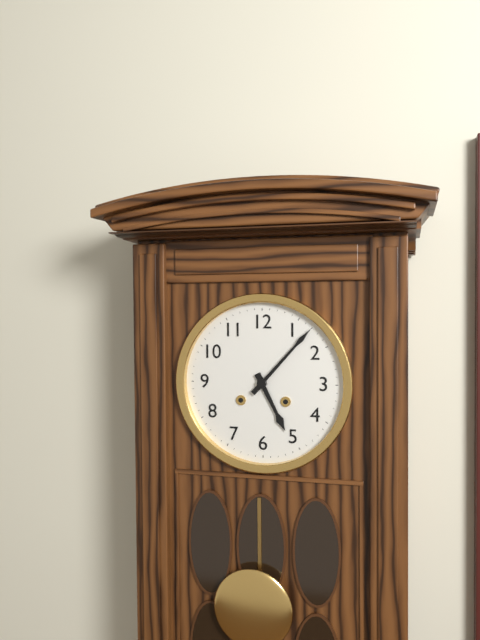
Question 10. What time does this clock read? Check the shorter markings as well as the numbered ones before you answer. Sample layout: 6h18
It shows 5h07
